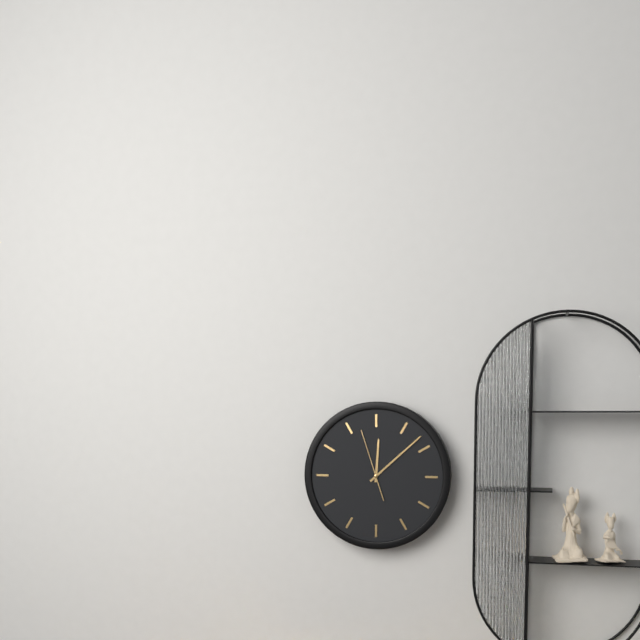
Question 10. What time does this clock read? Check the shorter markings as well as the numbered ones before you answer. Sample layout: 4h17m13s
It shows 12h08m57s
